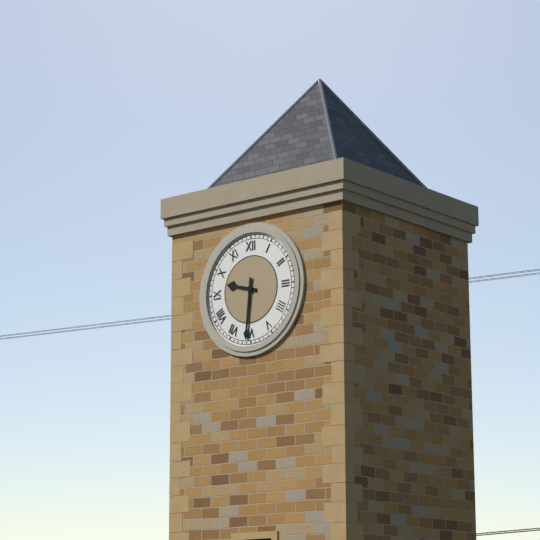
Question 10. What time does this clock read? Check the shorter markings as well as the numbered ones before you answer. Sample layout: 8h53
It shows 9h31
